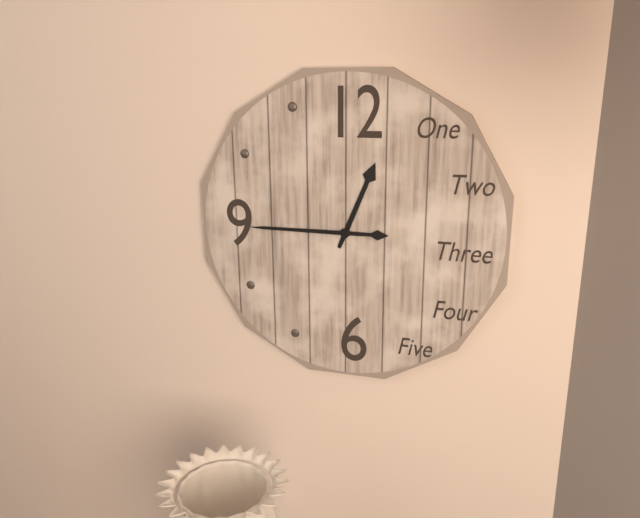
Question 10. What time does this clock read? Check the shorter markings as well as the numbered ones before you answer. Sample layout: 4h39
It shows 12h45
